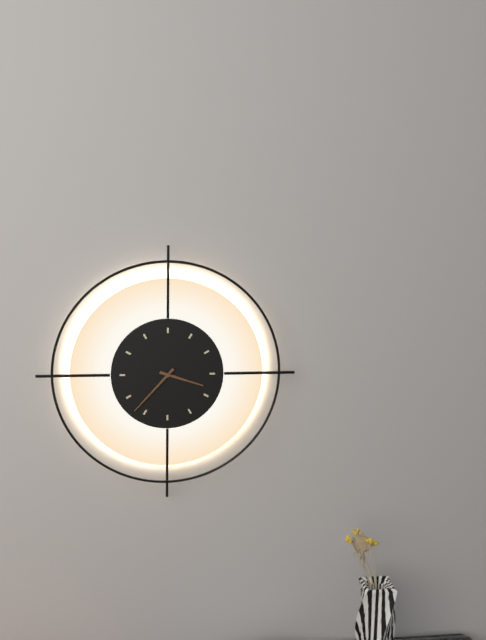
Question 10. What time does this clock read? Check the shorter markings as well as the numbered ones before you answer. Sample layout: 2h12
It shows 3h37
